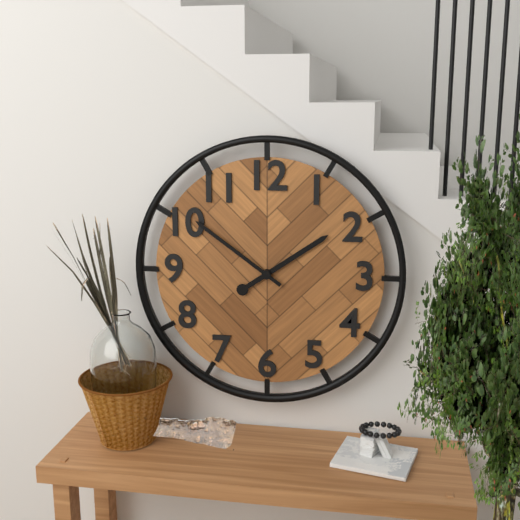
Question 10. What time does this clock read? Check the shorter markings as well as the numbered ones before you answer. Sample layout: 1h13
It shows 1h51
